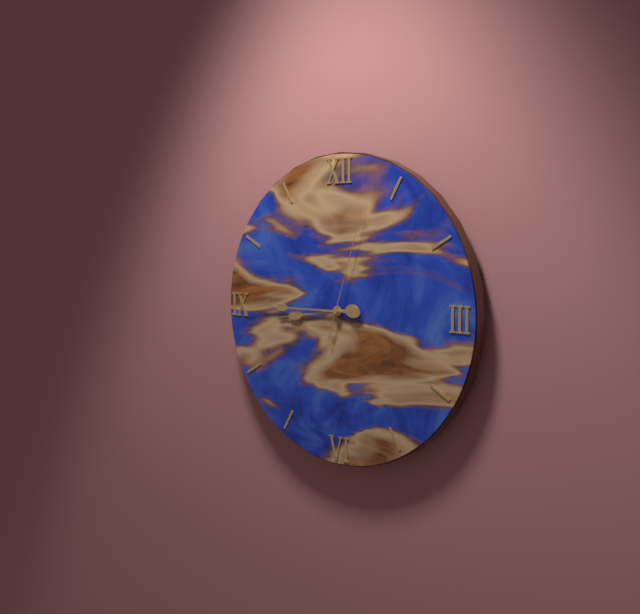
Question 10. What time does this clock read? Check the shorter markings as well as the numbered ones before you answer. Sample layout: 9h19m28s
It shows 8h45m03s
